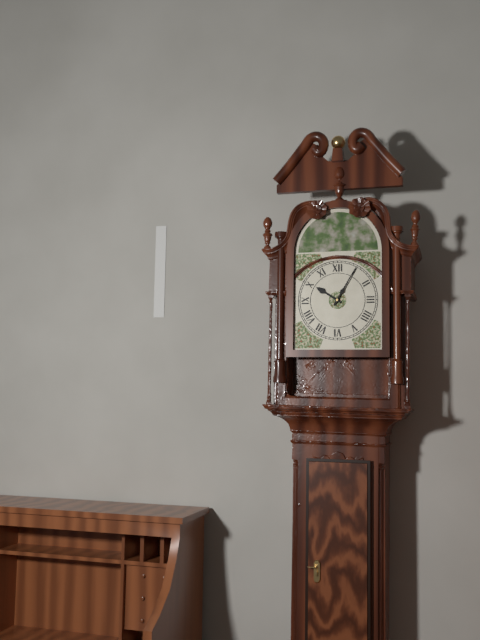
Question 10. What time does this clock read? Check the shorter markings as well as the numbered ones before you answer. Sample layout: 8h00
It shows 10h05
